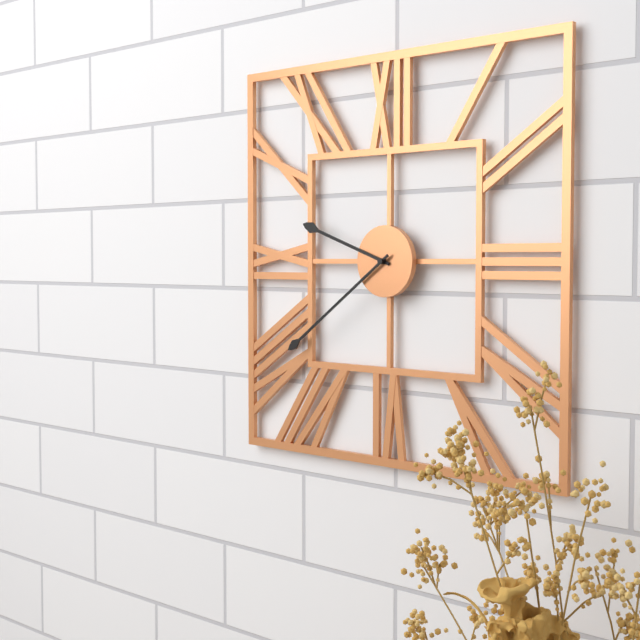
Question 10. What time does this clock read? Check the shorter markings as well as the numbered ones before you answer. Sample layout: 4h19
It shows 9h39
